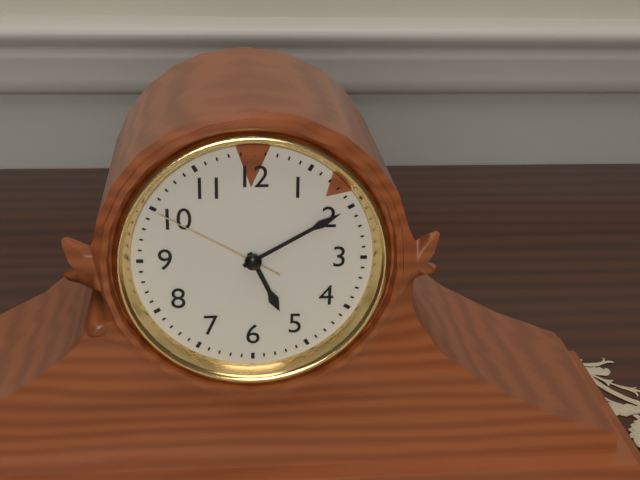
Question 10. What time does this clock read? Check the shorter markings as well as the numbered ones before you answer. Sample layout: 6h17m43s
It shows 5h10m50s
